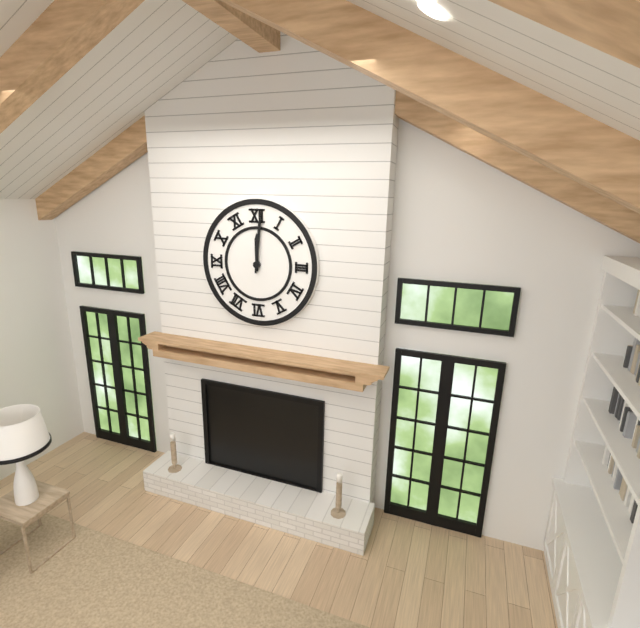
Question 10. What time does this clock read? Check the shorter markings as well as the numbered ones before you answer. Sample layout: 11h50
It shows 12h01
